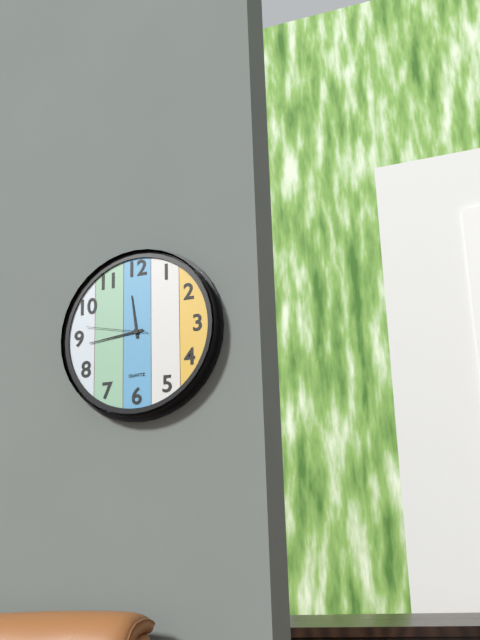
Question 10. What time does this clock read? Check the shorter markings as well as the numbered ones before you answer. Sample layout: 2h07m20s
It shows 11h44m47s
